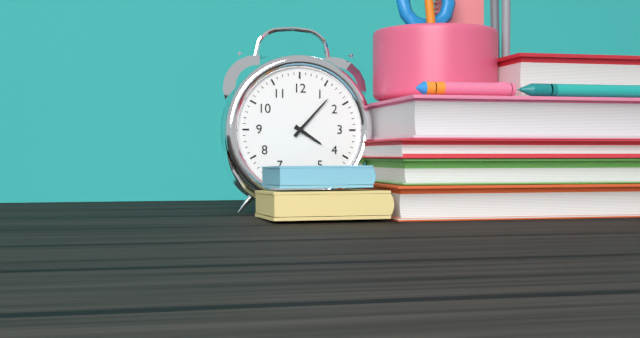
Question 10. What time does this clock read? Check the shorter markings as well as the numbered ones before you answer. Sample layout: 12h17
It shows 4h07
